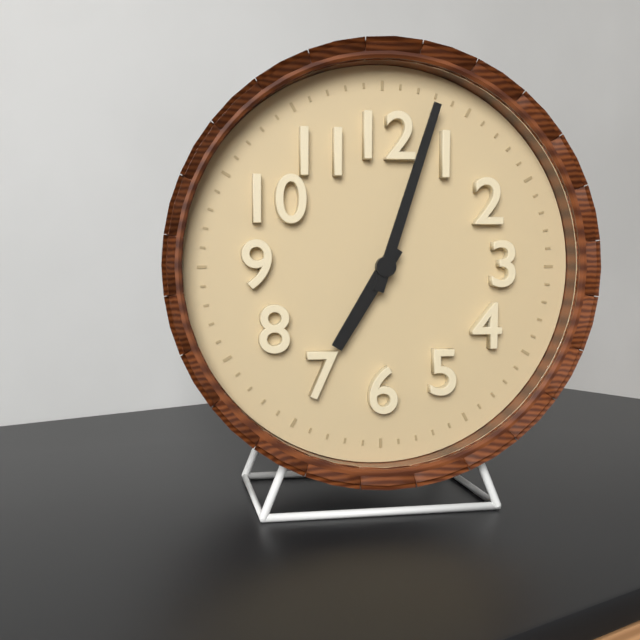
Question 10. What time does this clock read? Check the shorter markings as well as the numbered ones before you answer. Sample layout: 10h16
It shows 7h03
